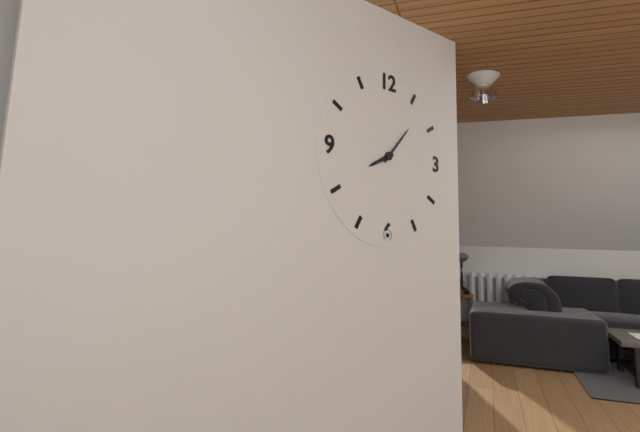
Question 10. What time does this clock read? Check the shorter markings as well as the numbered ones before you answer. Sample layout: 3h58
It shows 8h07
